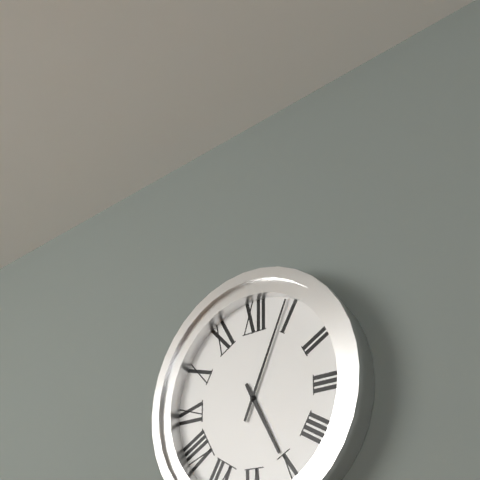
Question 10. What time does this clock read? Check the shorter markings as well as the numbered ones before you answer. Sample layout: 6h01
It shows 5h04
